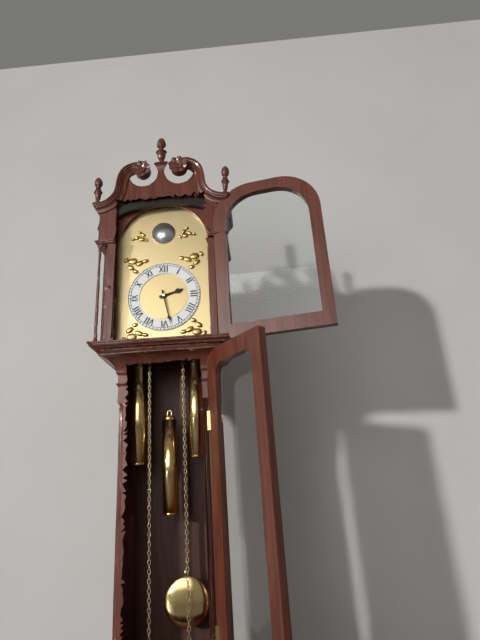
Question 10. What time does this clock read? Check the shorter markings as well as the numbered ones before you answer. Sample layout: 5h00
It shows 2h28
